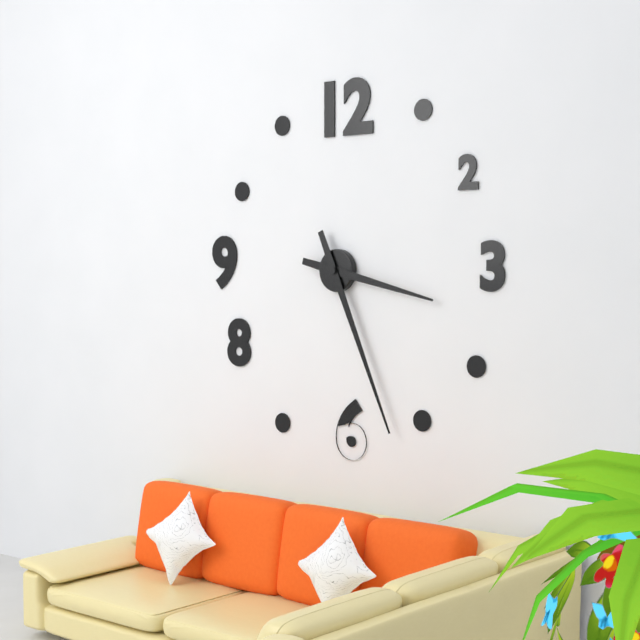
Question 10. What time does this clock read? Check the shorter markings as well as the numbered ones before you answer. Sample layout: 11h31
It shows 3h26
